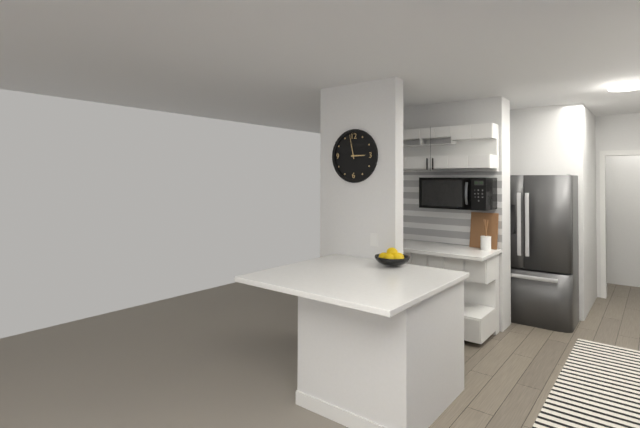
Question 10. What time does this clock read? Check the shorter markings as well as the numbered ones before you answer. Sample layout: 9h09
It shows 2h58
